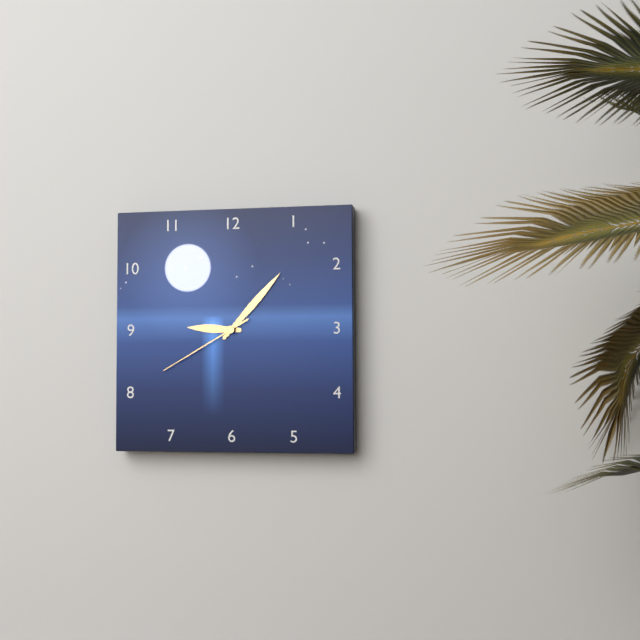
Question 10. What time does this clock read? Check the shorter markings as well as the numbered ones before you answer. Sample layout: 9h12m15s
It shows 9h07m40s
